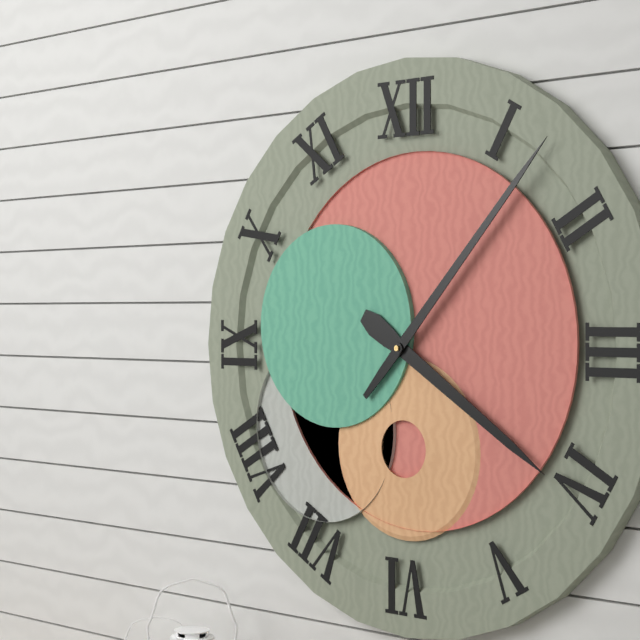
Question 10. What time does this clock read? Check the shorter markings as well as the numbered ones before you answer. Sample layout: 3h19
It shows 4h07
